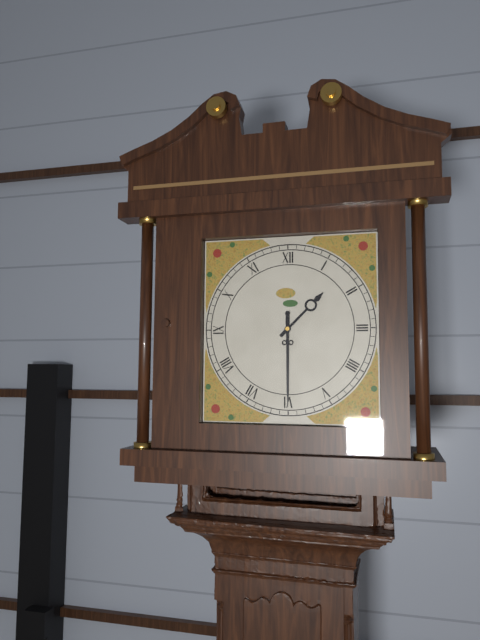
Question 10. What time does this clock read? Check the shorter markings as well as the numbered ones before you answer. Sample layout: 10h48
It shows 1h30
